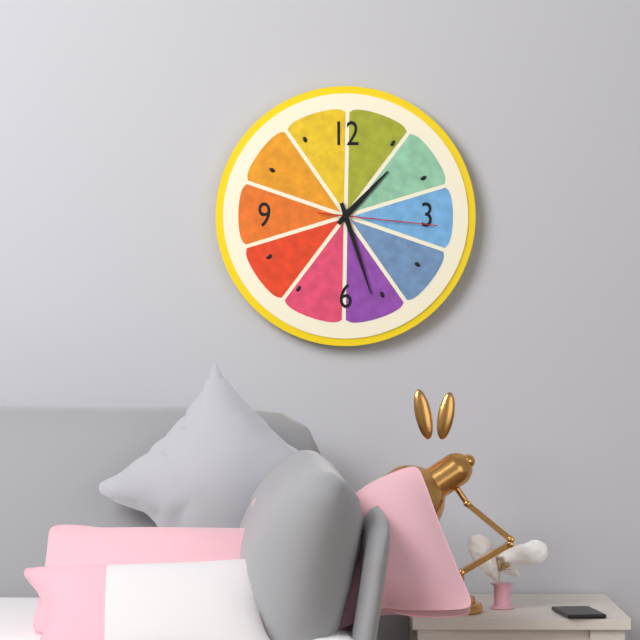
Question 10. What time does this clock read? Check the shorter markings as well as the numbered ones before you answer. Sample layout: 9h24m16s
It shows 1h27m16s
